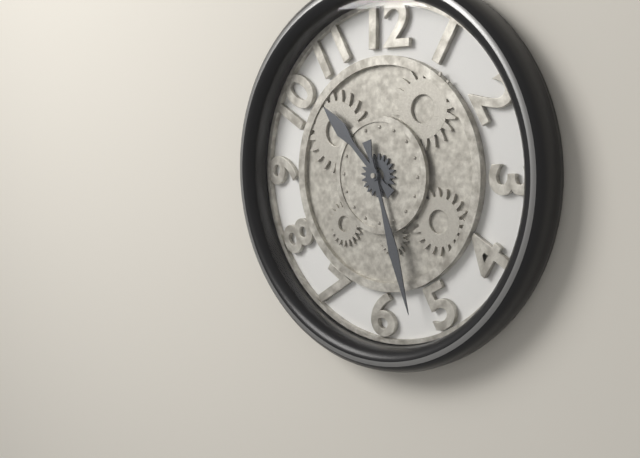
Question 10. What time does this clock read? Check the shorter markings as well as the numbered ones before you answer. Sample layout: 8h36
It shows 10h27
